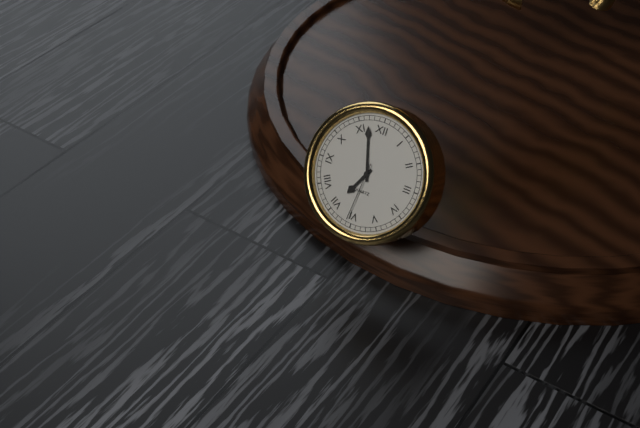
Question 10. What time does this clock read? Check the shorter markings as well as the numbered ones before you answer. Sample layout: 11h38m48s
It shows 6h57m31s
